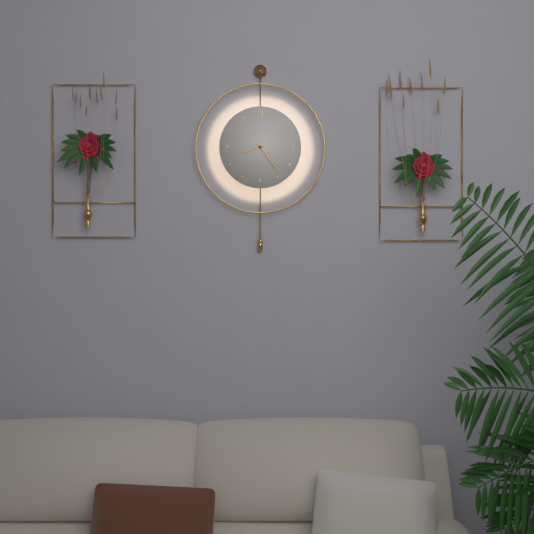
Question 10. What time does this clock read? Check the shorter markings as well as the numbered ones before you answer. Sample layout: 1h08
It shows 8h24
